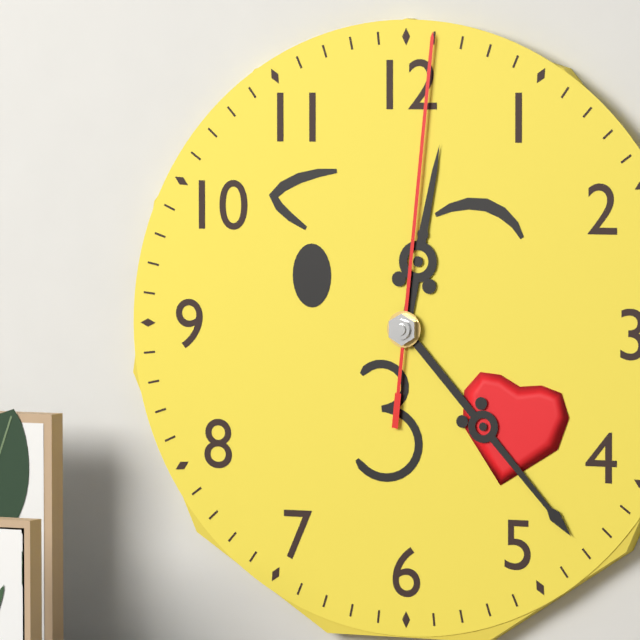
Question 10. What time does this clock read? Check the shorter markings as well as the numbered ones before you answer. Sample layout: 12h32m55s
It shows 12h23m01s
